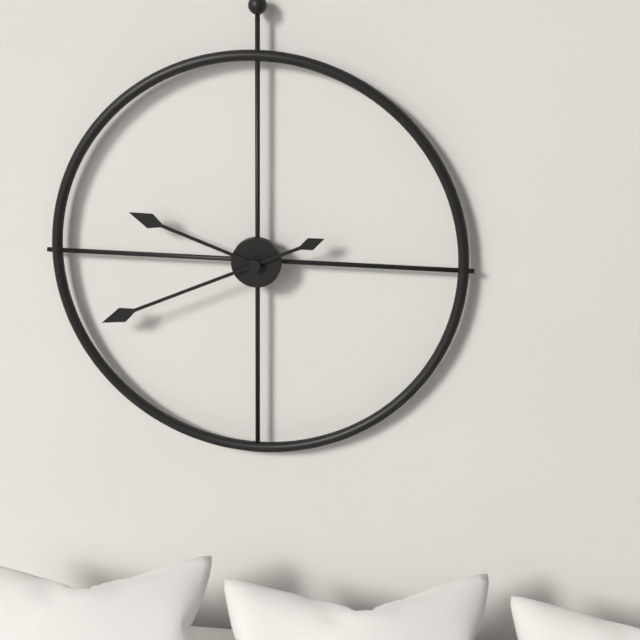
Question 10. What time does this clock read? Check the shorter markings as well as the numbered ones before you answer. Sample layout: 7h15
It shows 9h41
